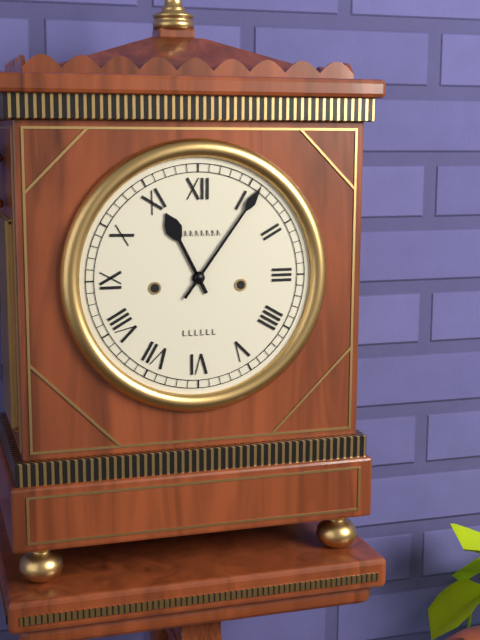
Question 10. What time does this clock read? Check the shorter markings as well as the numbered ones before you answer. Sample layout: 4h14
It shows 11h06
